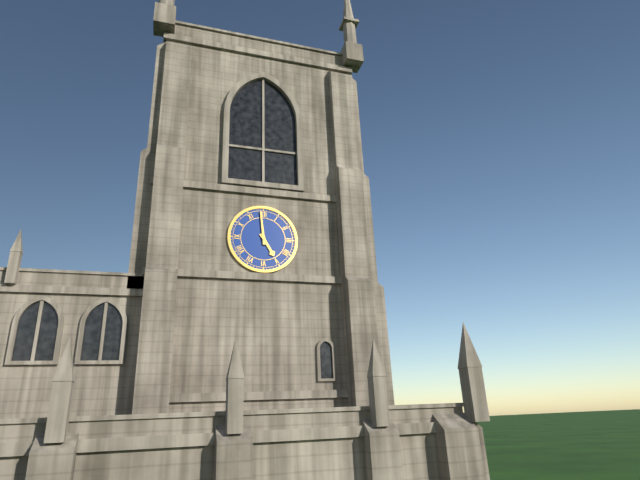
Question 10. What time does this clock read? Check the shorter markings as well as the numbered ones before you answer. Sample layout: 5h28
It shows 4h59
